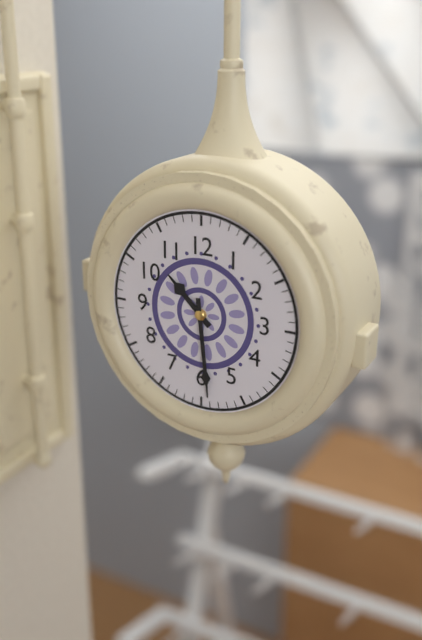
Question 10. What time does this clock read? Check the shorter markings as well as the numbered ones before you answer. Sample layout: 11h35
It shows 10h29
